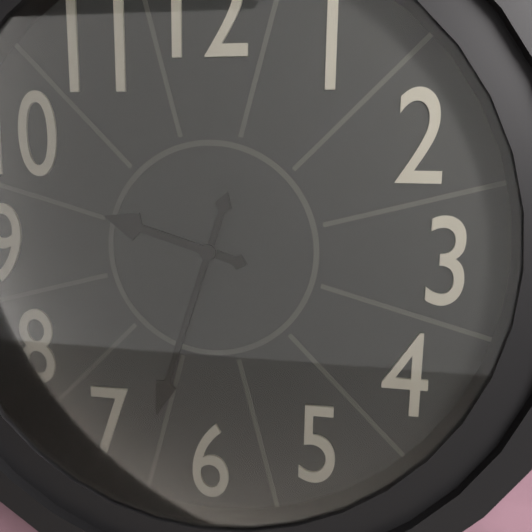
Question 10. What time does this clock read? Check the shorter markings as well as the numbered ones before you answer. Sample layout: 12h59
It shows 9h33
